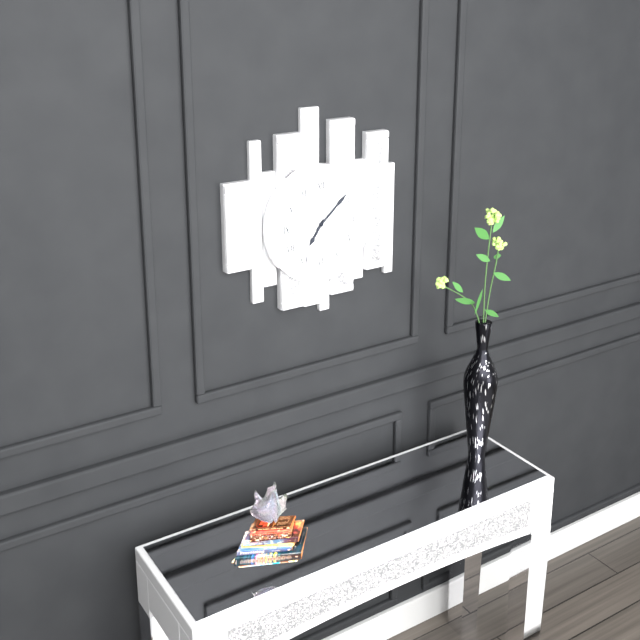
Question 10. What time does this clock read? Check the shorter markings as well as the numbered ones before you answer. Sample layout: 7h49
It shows 7h08
